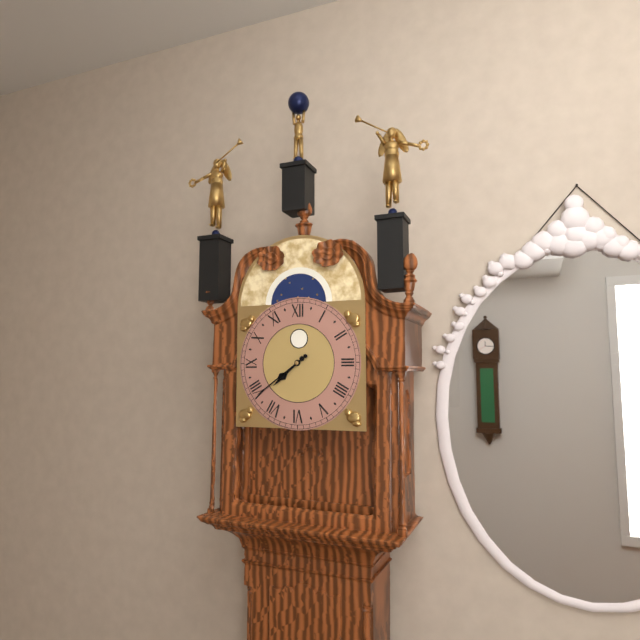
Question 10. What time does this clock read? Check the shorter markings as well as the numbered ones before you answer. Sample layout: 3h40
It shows 7h39
